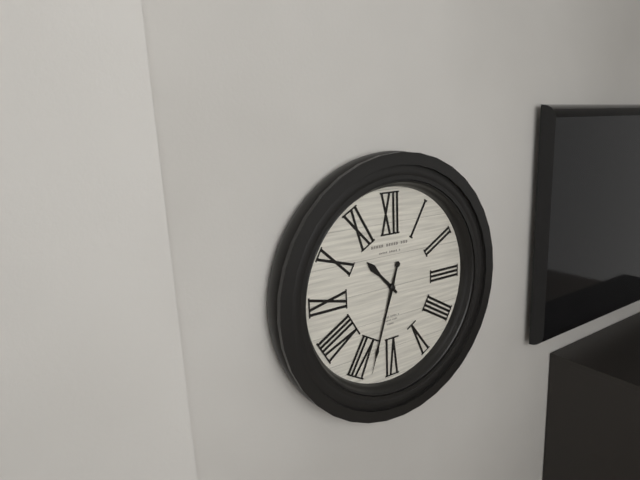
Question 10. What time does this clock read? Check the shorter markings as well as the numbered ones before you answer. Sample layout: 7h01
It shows 10h33
